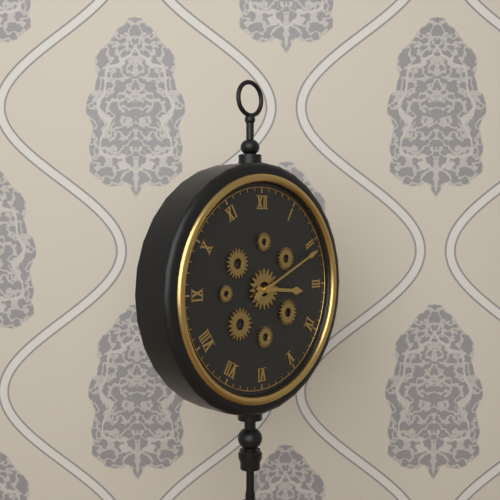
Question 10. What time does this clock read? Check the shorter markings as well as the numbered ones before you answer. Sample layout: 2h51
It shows 3h11
